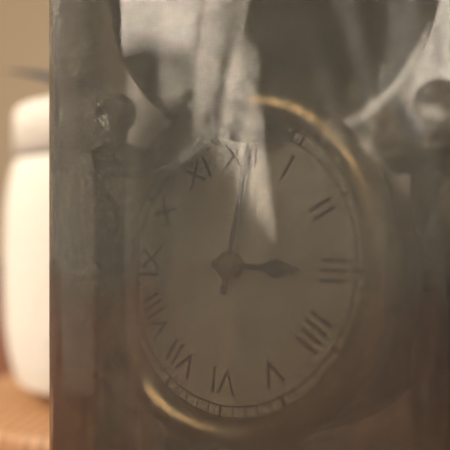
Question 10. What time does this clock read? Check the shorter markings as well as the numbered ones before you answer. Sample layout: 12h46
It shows 3h01
